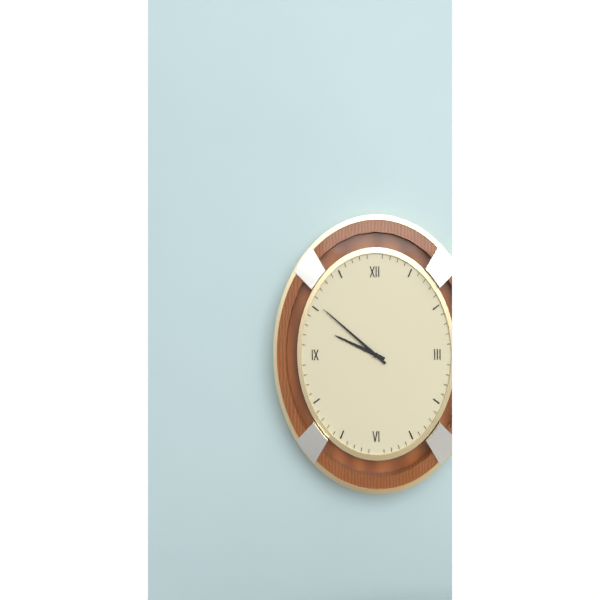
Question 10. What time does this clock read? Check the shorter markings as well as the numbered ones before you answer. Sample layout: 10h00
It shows 9h52
